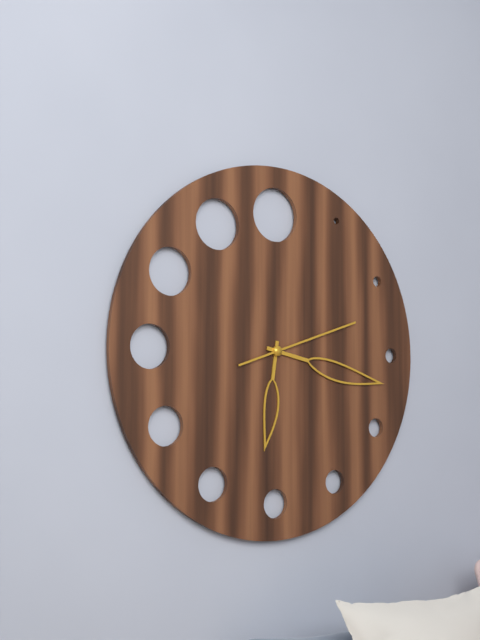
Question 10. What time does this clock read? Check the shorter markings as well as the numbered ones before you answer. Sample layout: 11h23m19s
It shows 6h17m12s
